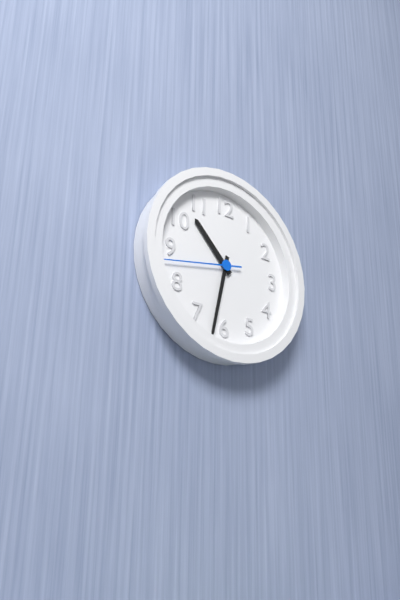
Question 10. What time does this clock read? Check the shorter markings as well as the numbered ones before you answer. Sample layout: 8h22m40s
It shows 10h32m43s
